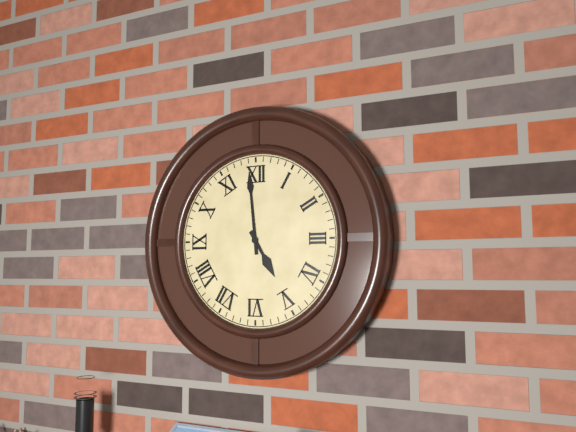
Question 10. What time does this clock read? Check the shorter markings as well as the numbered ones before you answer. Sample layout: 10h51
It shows 4h59
